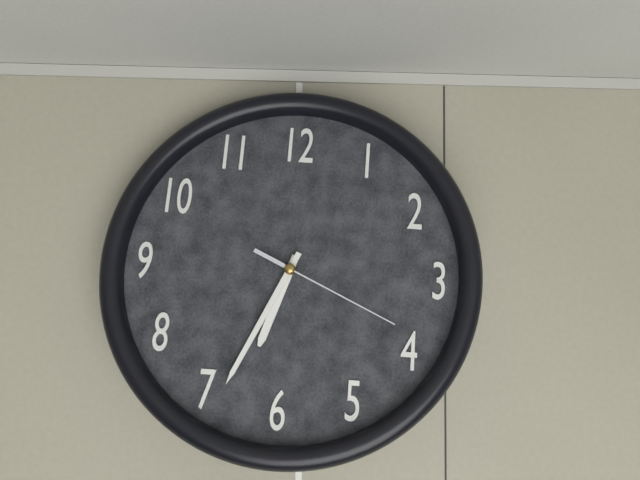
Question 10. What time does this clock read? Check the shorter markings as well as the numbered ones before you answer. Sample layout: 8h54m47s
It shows 6h34m19s
